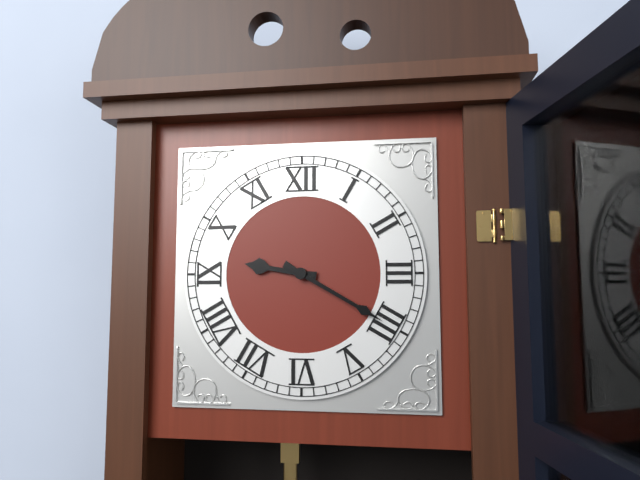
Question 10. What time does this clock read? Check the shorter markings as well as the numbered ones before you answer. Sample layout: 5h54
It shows 9h20
